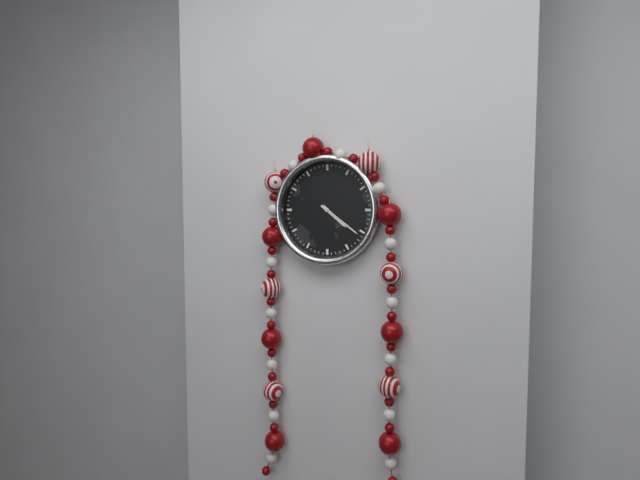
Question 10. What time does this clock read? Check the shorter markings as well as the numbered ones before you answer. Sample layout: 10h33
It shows 4h21
